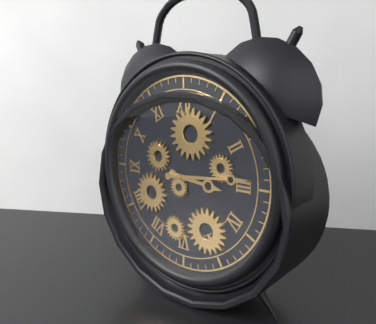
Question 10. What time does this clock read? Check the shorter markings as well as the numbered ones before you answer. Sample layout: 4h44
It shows 3h14
